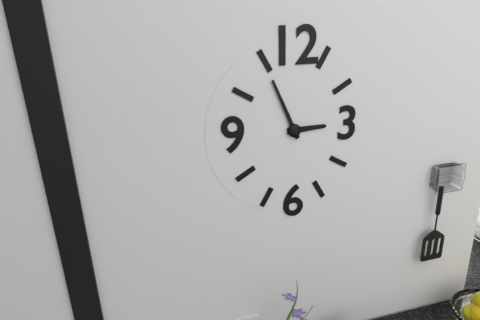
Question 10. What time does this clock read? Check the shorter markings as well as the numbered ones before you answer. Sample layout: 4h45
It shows 2h56
